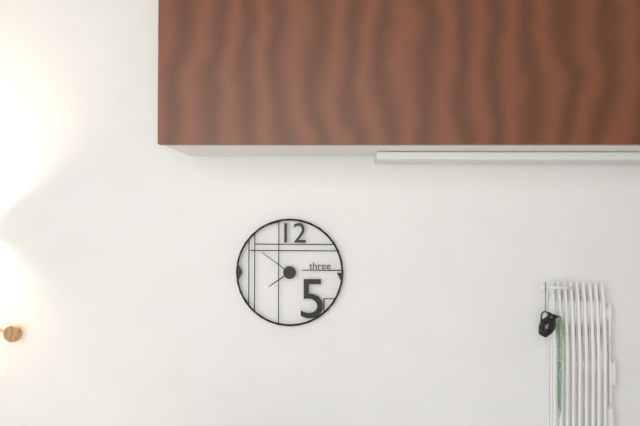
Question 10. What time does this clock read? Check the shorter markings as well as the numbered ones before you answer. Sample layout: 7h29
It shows 7h51
